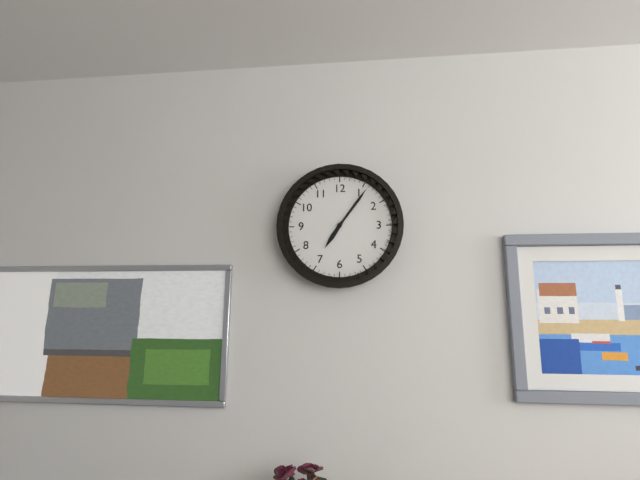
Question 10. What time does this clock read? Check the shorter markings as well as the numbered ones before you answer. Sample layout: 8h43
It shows 7h06
